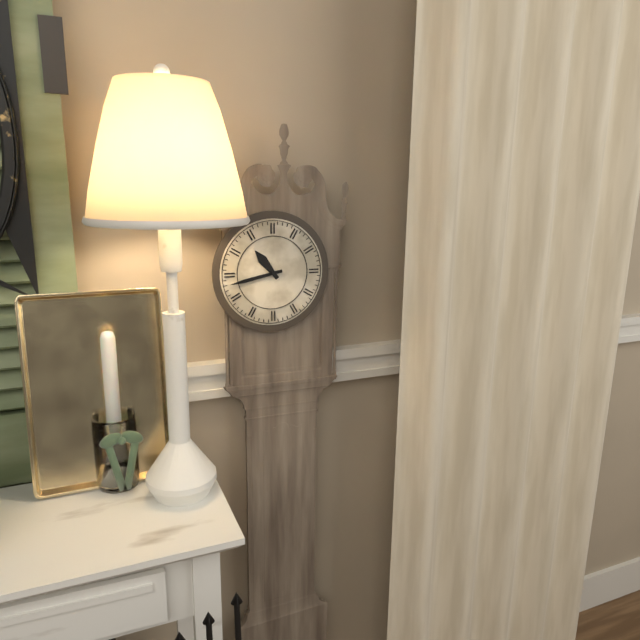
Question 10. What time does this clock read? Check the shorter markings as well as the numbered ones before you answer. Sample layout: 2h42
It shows 10h43
